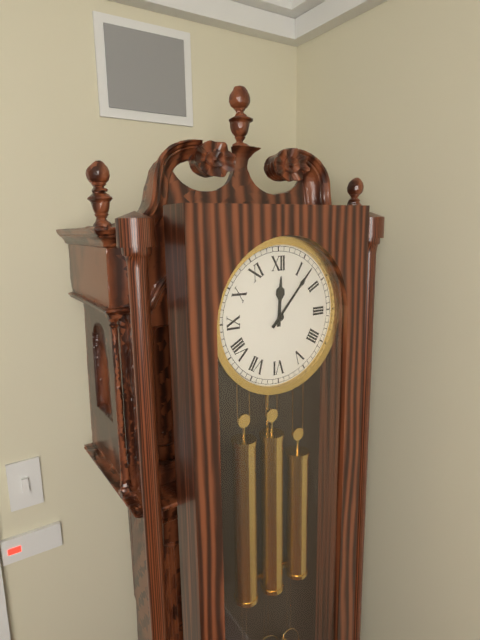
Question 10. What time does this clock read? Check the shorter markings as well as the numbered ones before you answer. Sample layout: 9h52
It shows 12h07
